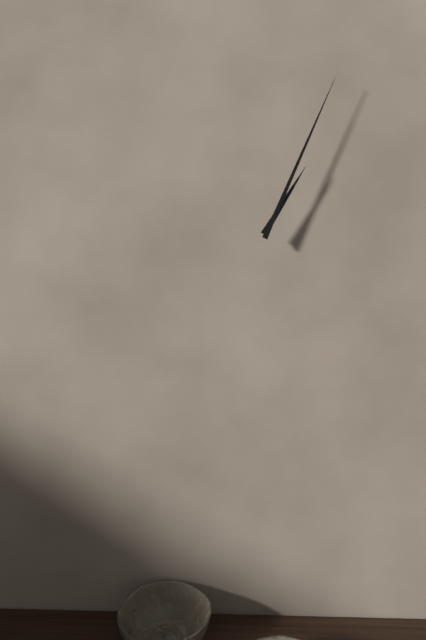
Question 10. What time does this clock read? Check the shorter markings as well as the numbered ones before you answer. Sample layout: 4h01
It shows 1h04
